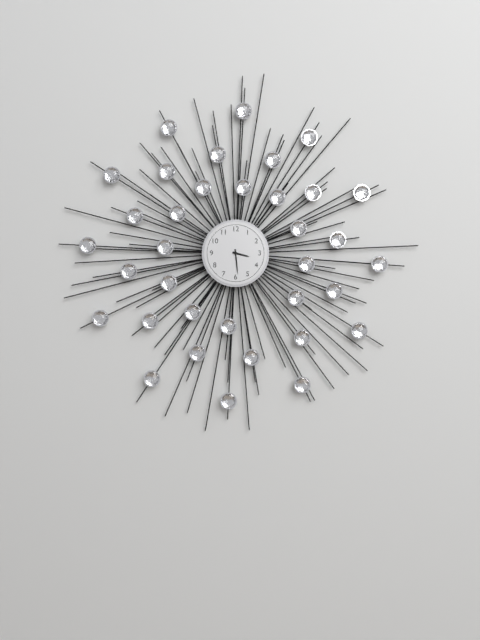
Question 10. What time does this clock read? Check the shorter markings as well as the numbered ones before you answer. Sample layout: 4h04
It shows 3h29
